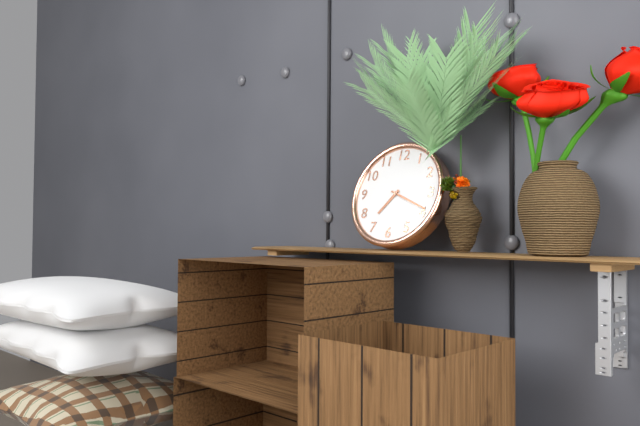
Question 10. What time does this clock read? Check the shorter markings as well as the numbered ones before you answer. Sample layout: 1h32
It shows 7h19
